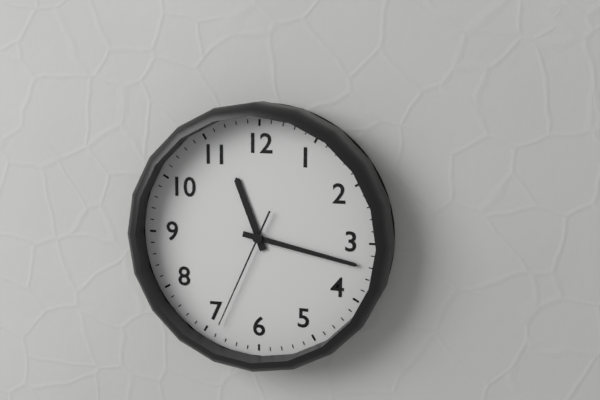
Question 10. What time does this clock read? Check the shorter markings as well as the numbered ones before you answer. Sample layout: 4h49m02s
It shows 11h17m34s
